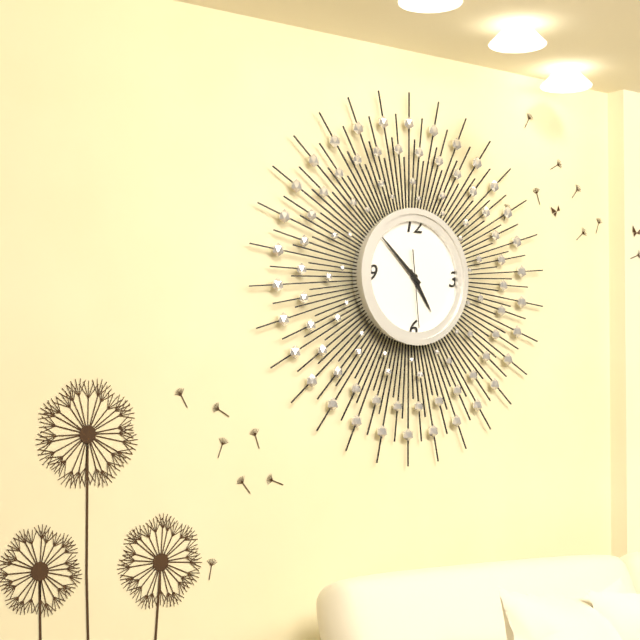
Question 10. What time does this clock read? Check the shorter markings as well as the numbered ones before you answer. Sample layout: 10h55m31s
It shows 4h52m29s
